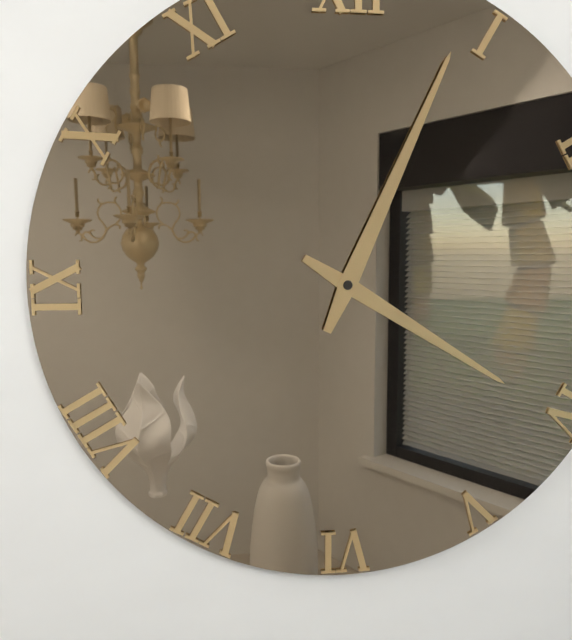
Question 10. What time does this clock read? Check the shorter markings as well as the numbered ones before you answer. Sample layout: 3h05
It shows 4h04
